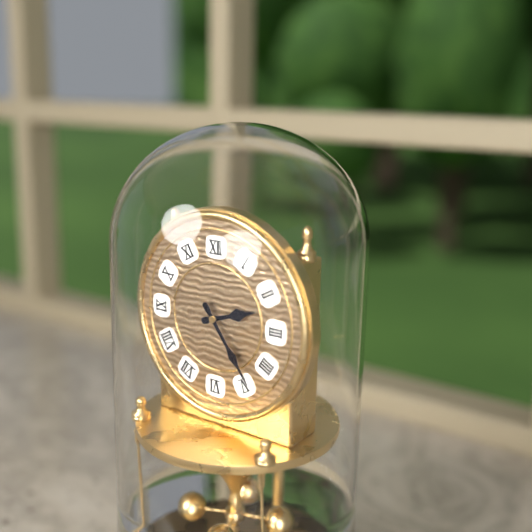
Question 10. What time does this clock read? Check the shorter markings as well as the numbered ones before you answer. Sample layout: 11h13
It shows 2h24
